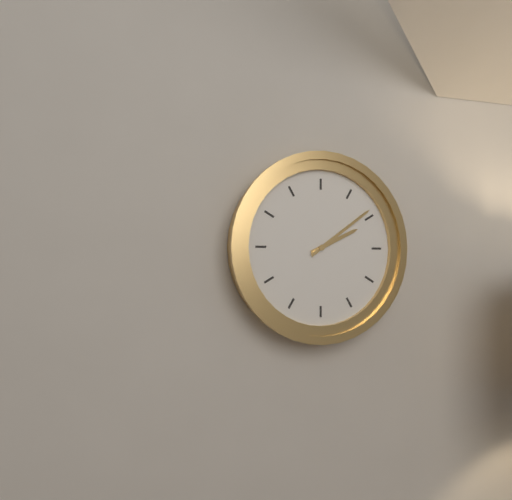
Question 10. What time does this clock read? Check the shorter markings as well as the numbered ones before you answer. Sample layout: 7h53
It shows 2h09
